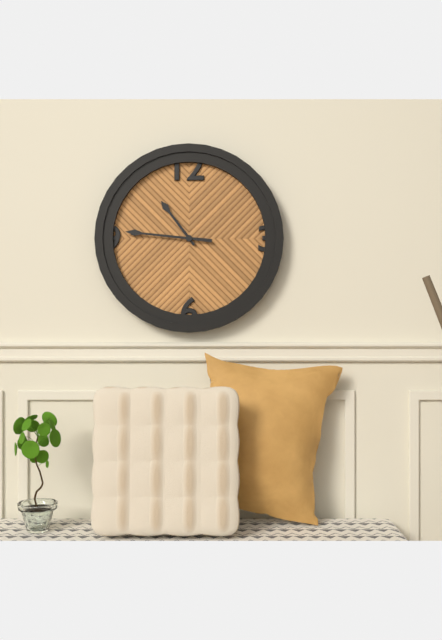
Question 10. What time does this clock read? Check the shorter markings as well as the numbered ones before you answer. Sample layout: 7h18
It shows 10h46
